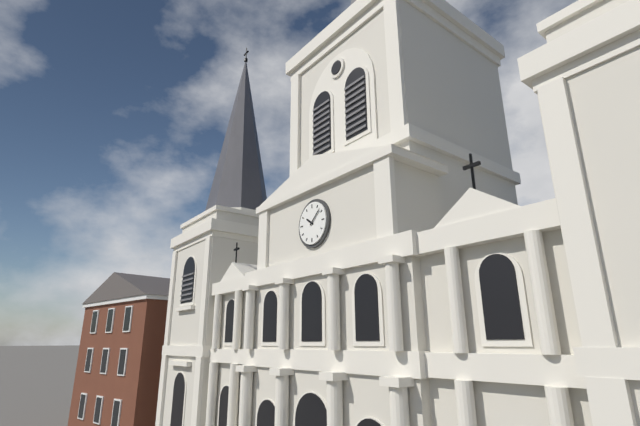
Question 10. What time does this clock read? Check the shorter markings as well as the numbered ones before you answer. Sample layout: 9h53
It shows 10h08
